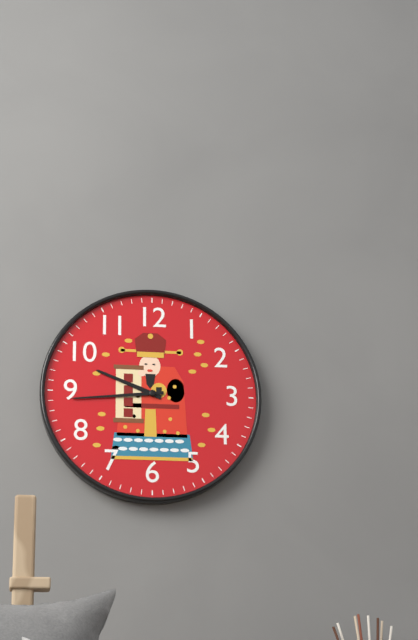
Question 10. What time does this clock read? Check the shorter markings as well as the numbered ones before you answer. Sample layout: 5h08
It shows 9h44
